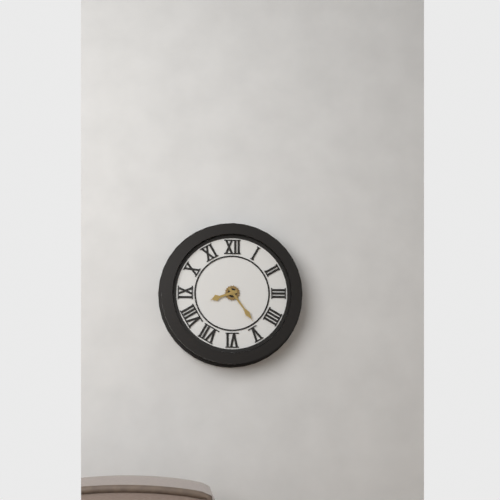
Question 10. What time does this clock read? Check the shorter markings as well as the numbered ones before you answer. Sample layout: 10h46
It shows 8h24
